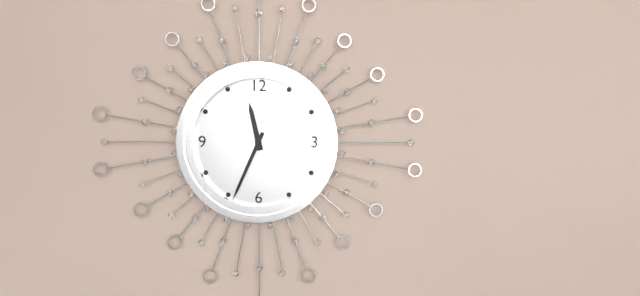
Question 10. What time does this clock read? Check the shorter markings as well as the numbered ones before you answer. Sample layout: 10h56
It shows 11h34
